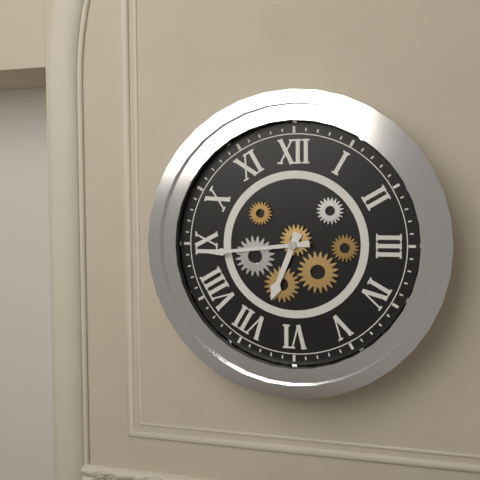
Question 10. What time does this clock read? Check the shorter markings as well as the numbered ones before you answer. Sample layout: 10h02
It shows 6h44
